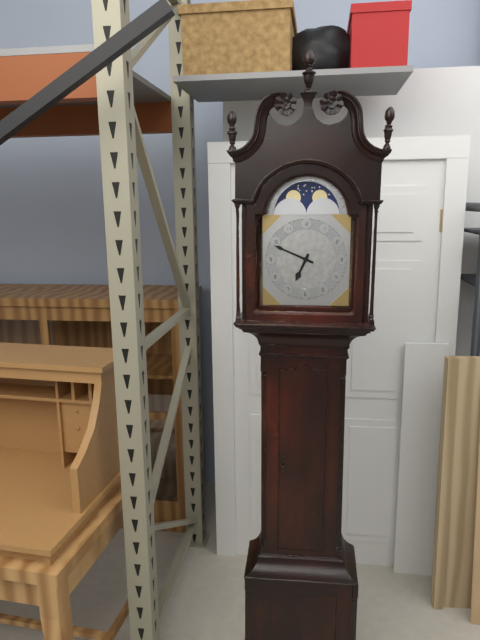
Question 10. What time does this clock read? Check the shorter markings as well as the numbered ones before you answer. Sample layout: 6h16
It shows 6h49
